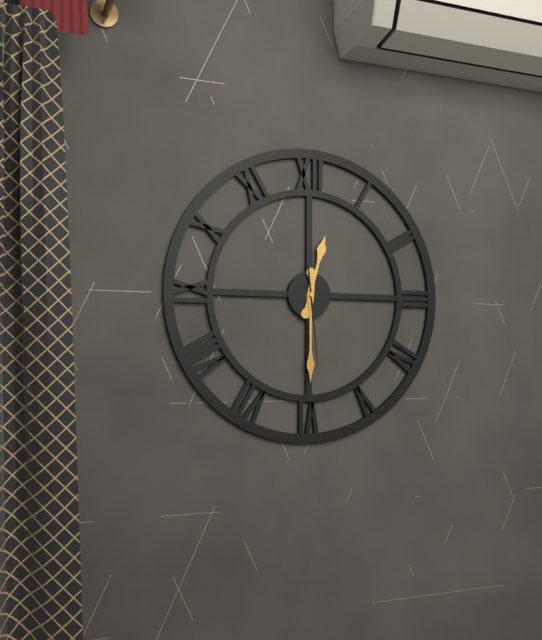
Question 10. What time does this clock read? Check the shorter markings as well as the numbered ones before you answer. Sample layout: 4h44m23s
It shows 12h30m29s
